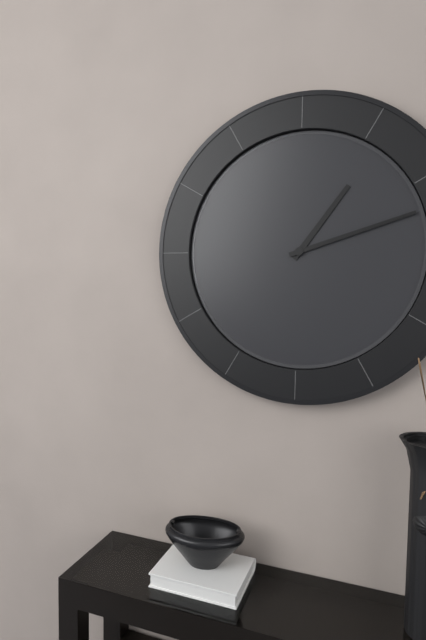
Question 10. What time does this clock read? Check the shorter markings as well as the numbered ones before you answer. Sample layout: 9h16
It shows 1h12
